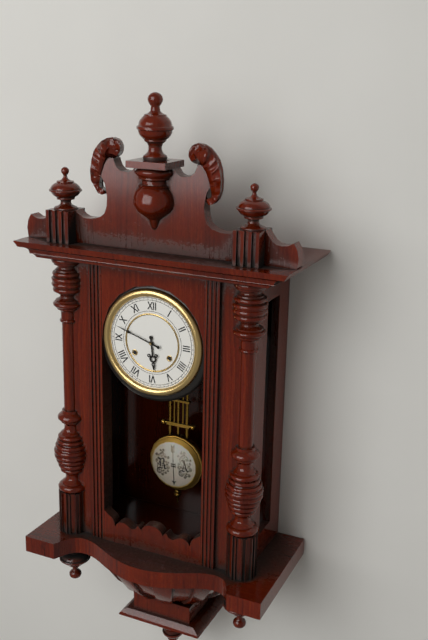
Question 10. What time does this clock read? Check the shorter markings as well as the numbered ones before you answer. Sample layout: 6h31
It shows 5h48
